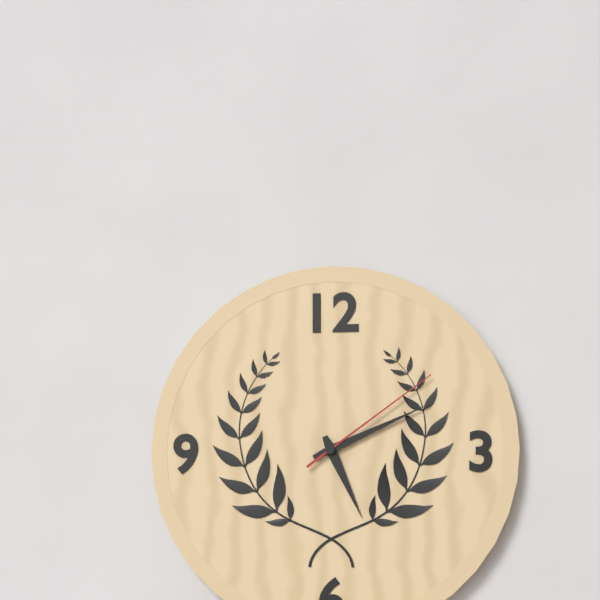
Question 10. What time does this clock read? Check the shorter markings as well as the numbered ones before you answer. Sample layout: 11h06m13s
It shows 5h11m09s
